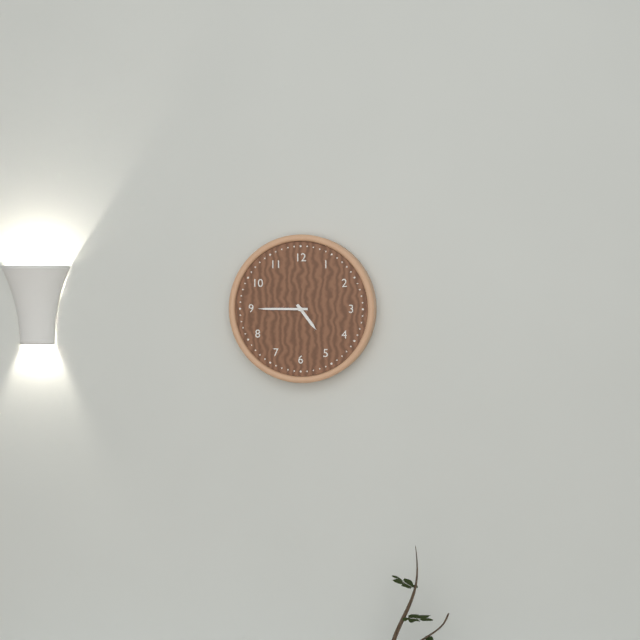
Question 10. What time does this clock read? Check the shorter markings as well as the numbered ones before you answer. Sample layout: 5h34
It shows 4h45
